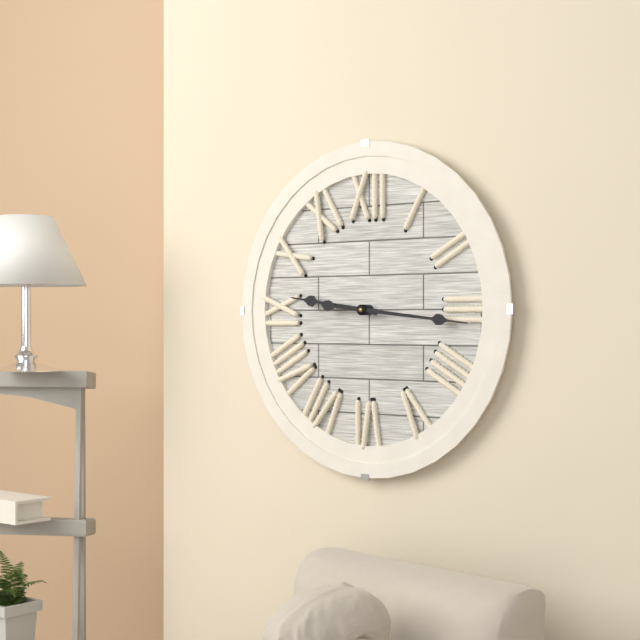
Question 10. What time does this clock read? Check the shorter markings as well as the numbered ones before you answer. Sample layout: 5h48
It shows 9h16
